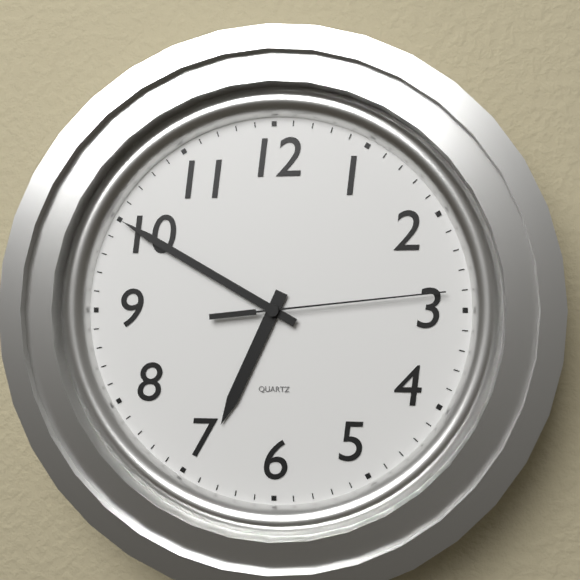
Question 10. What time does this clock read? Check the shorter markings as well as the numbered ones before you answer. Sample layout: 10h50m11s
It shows 6h50m14s
